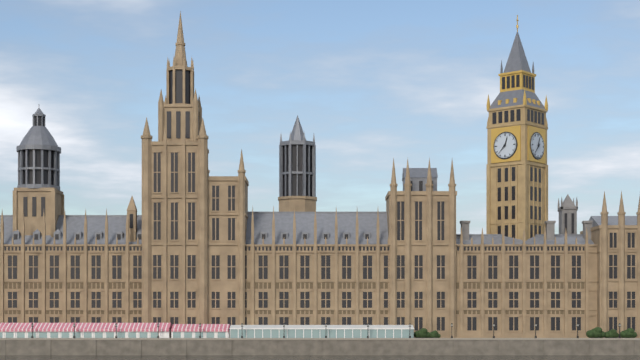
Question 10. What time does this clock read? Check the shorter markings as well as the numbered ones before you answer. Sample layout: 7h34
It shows 12h37
